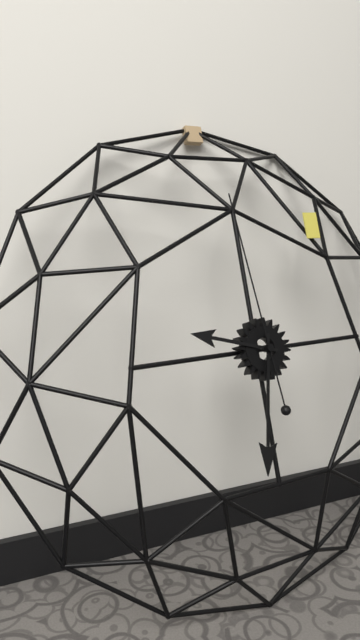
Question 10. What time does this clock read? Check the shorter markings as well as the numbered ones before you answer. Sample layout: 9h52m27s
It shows 9h32m59s
